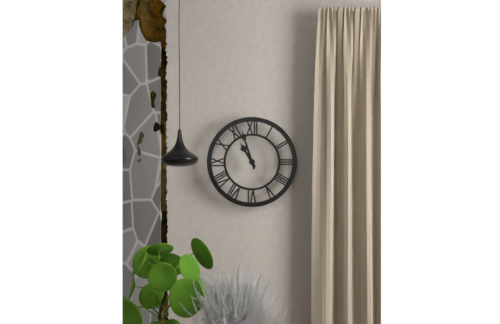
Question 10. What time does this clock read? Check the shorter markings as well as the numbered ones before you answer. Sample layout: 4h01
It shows 10h57
